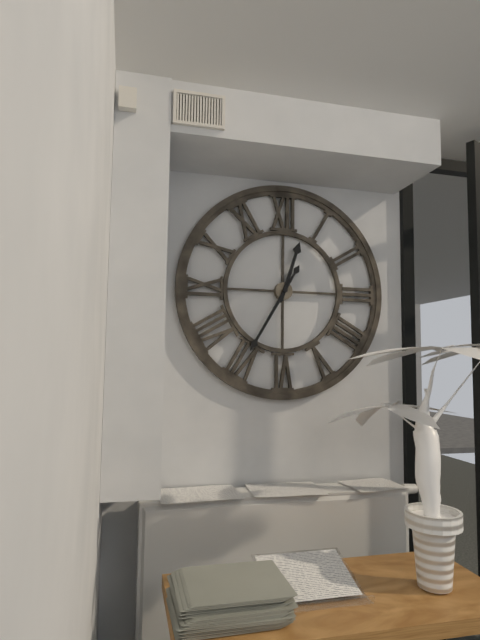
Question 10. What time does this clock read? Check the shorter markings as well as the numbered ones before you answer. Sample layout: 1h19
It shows 12h35
